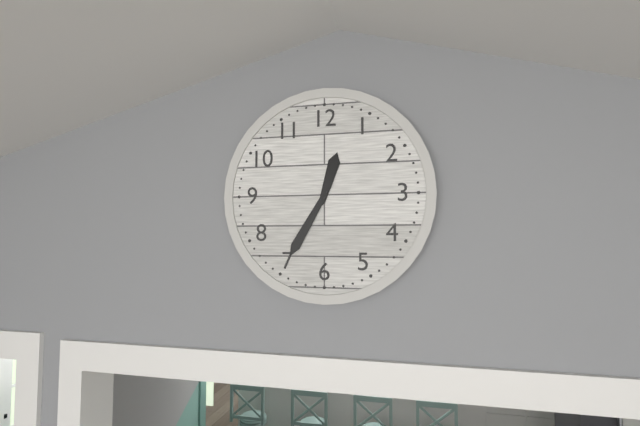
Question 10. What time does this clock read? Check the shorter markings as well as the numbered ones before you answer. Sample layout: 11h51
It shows 12h35
